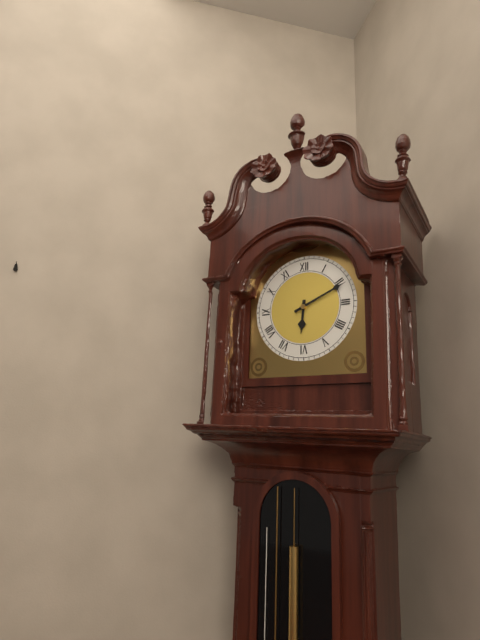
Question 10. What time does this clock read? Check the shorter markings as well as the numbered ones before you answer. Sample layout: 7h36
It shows 6h11
